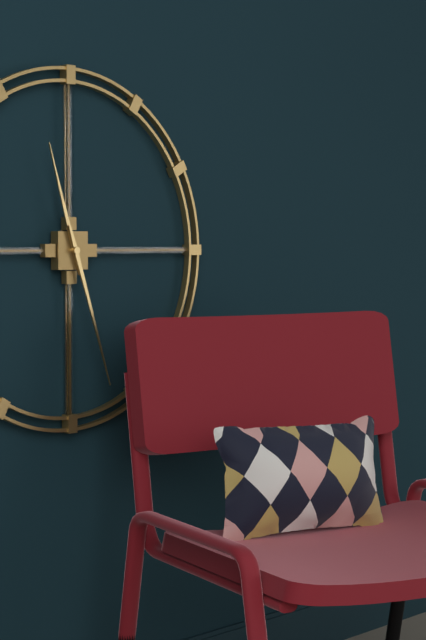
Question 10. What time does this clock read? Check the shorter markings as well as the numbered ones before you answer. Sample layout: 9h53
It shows 11h27
